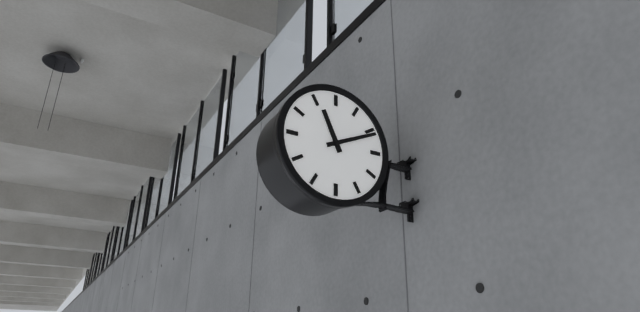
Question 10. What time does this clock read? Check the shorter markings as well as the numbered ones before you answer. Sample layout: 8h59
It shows 11h11
